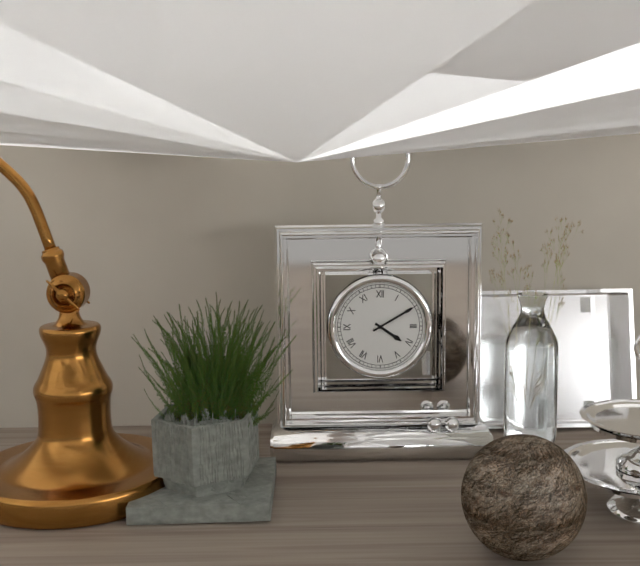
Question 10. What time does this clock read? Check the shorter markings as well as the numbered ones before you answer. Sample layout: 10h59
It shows 4h10
